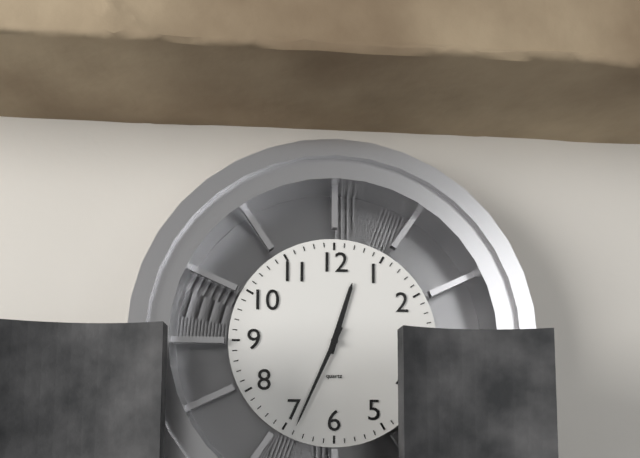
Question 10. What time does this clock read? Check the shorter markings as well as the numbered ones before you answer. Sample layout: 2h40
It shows 12h34
